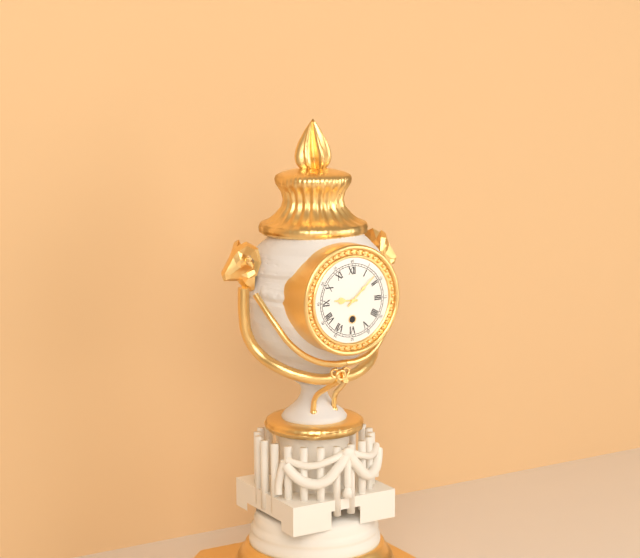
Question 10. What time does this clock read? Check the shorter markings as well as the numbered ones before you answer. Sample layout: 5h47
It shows 9h08
